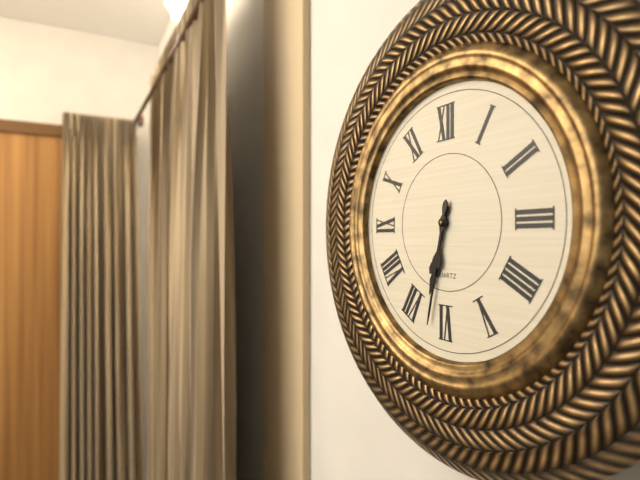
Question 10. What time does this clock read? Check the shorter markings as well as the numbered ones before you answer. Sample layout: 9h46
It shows 6h32
